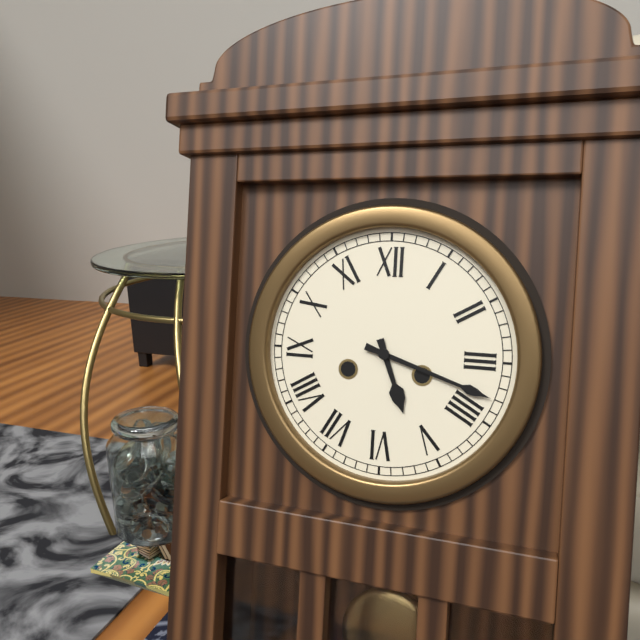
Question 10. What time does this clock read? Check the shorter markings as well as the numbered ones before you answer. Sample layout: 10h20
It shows 5h18
